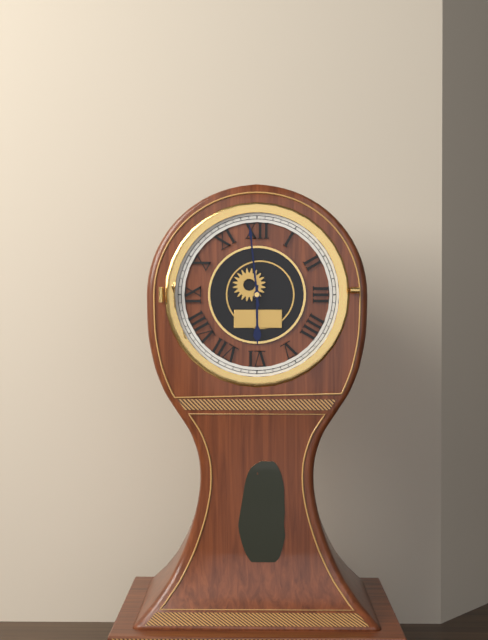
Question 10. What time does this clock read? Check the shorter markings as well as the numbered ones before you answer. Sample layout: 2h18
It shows 5h59
